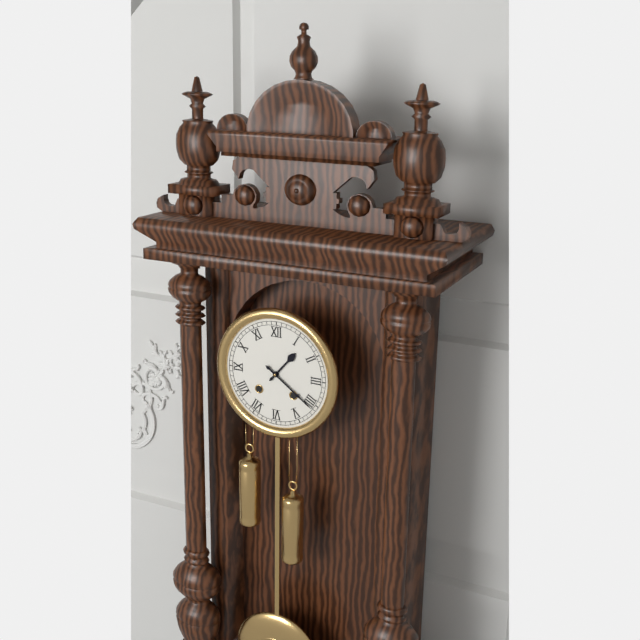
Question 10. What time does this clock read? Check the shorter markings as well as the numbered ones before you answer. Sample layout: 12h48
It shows 1h21
